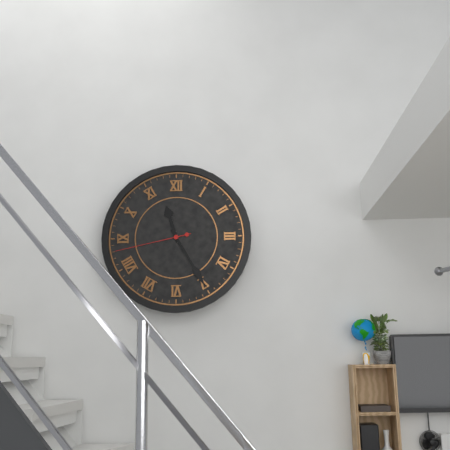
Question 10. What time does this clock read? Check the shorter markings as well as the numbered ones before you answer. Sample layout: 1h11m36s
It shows 11h25m43s
